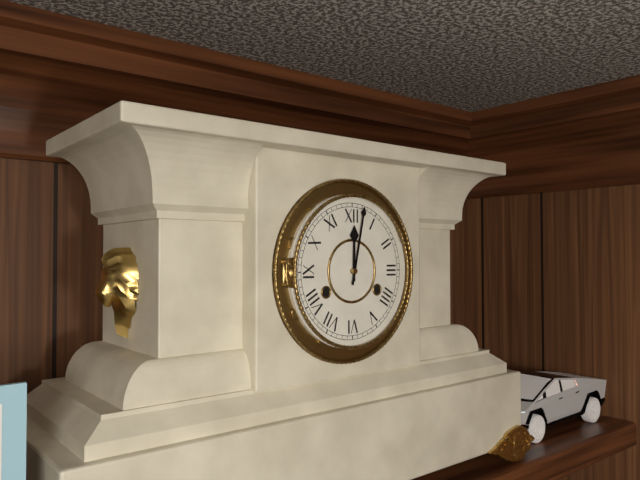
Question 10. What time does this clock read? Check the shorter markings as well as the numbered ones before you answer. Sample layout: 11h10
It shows 12h02
